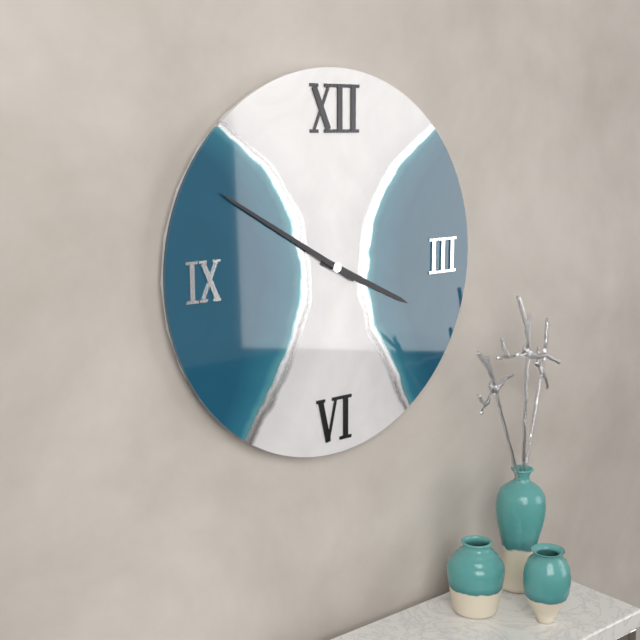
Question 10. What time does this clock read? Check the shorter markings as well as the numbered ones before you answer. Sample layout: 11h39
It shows 3h50
